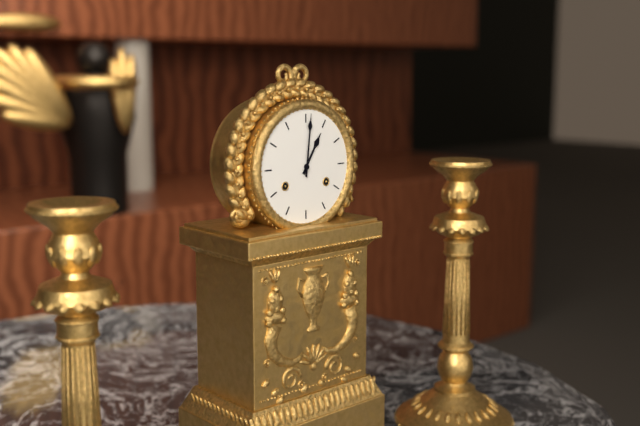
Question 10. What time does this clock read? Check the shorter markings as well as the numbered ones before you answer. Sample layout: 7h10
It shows 1h01
